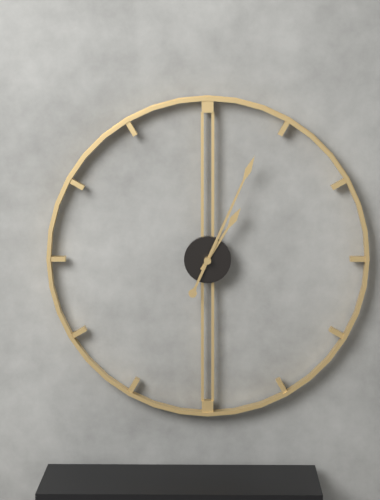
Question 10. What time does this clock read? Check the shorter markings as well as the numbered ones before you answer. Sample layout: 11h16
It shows 1h04
